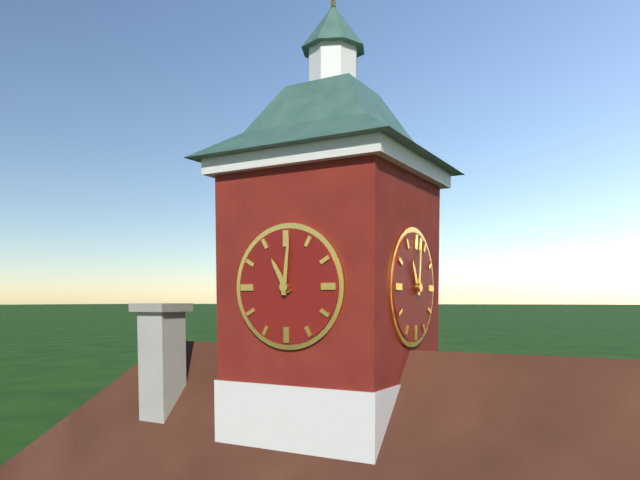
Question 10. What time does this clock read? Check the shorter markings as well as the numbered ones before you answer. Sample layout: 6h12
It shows 11h01
